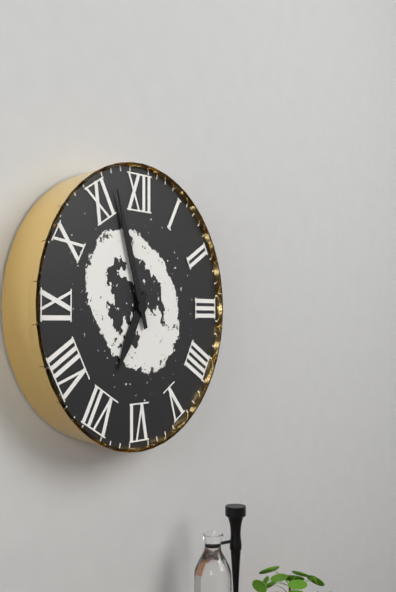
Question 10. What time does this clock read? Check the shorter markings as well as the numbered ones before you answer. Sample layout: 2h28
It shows 6h57
